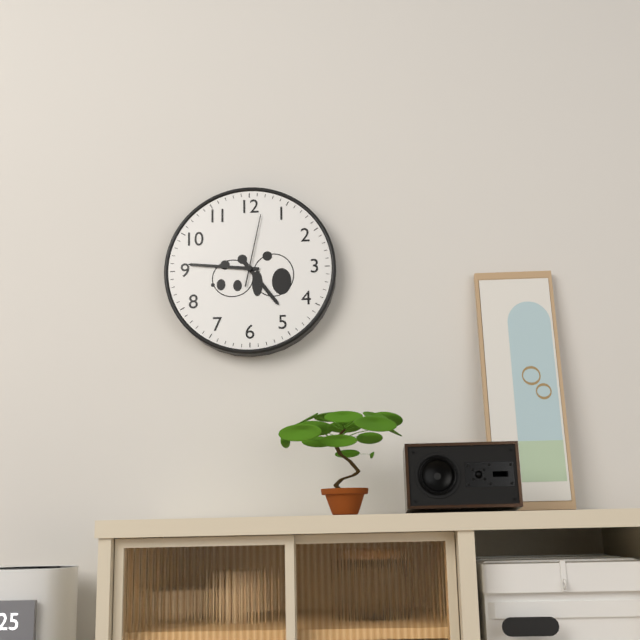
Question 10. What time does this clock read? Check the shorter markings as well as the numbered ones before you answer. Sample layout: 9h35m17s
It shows 4h46m02s
